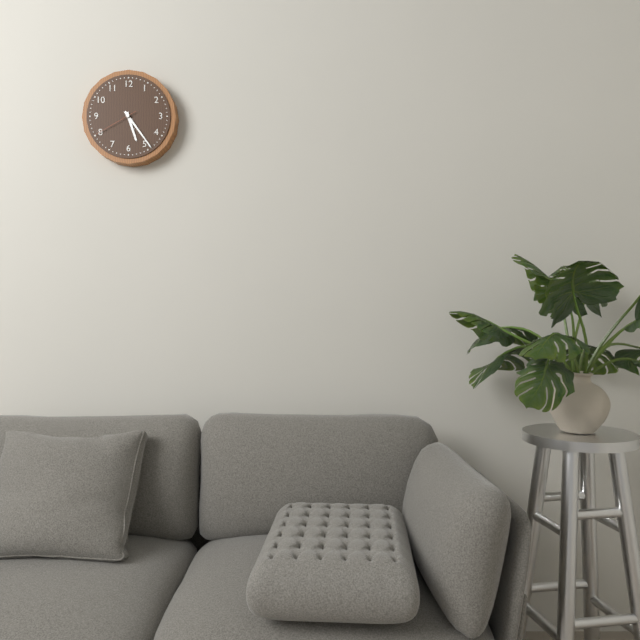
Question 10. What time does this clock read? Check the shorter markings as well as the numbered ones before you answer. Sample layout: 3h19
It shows 5h24
